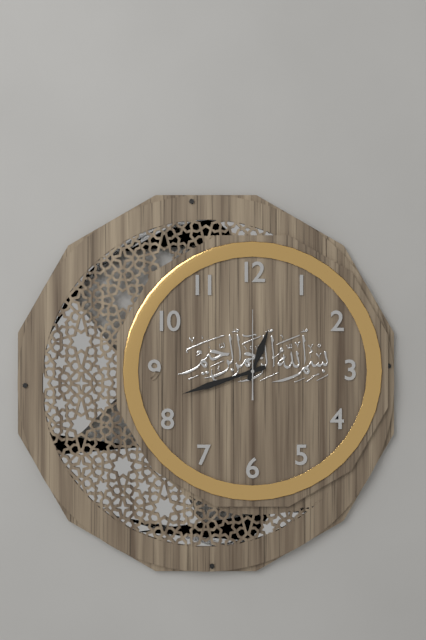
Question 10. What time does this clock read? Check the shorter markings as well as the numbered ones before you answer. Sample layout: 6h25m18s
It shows 12h42m00s
